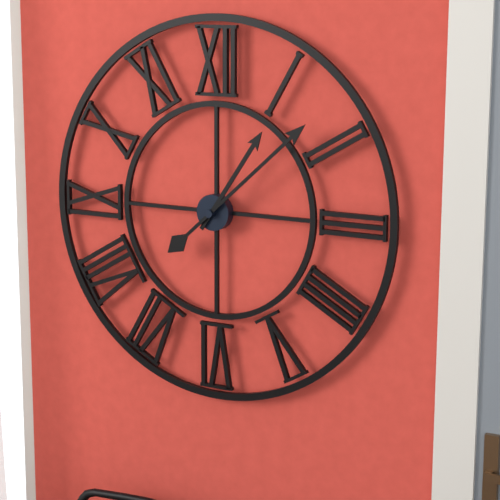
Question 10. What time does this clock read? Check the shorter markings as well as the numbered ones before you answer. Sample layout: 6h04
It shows 1h08
